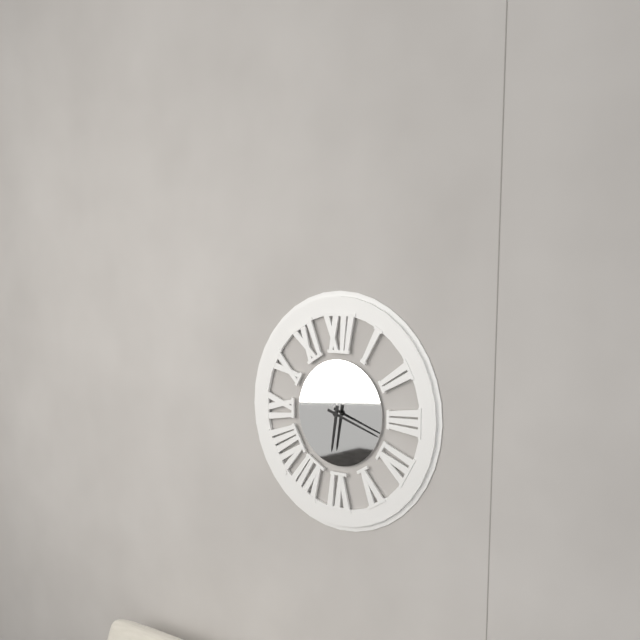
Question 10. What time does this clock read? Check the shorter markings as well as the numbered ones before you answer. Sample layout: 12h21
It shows 6h18
